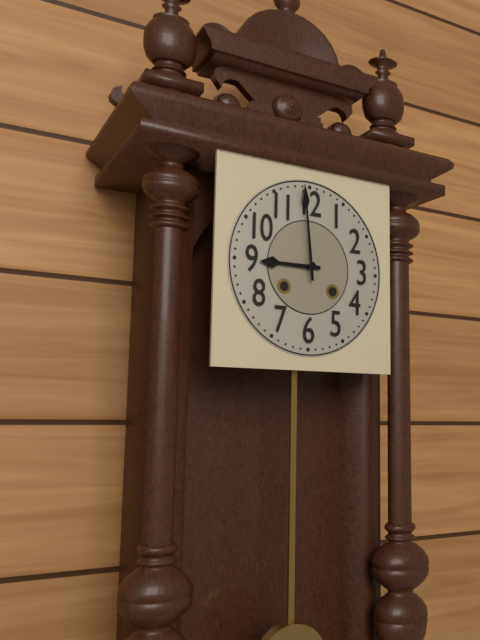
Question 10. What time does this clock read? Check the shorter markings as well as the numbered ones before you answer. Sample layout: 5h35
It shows 8h59
